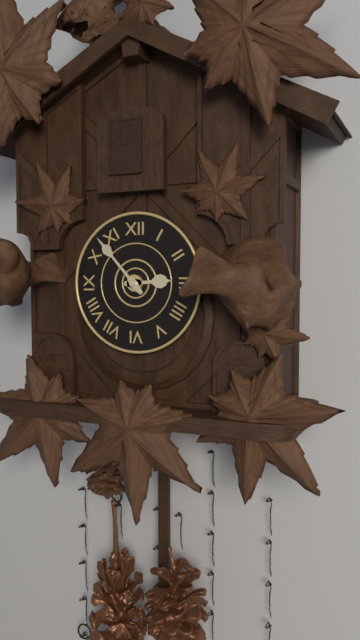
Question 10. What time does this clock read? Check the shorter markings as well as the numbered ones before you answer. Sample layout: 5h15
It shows 2h53
